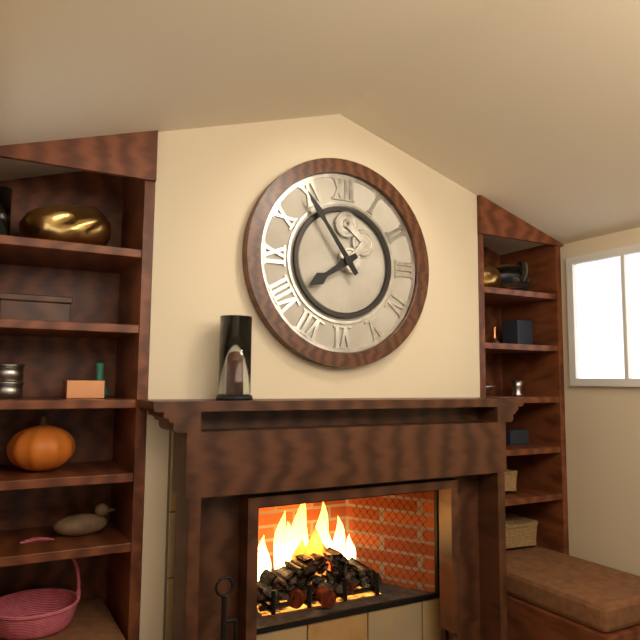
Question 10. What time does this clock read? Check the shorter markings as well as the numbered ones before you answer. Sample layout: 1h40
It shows 7h54
